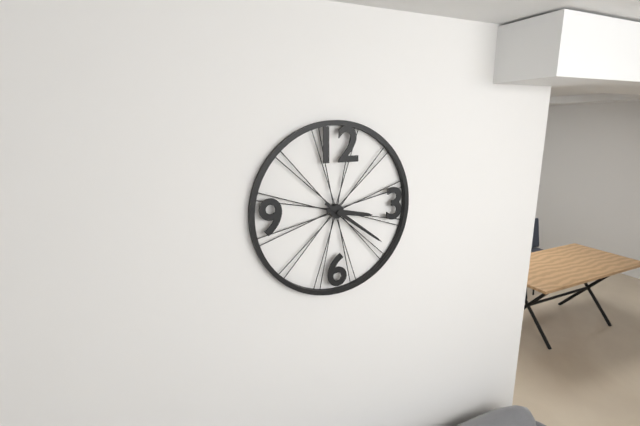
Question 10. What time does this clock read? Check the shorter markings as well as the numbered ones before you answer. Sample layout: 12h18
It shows 3h21
